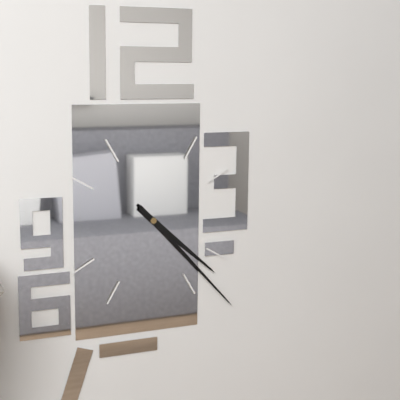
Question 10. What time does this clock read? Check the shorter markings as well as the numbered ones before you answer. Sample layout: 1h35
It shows 4h23
